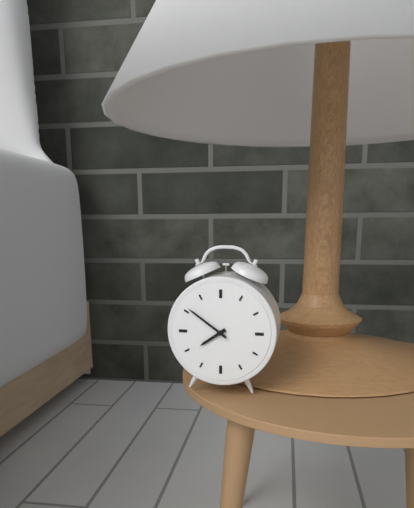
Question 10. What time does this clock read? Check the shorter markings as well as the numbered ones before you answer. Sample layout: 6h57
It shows 7h51
